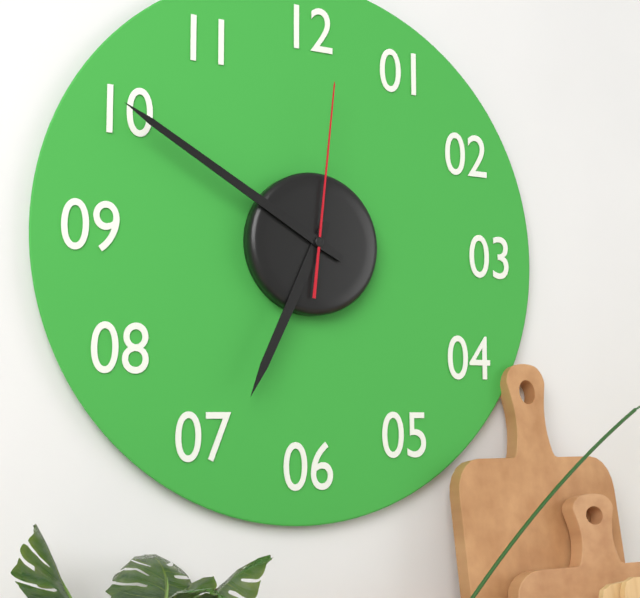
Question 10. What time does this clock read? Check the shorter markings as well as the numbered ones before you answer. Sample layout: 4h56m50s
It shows 6h50m01s
